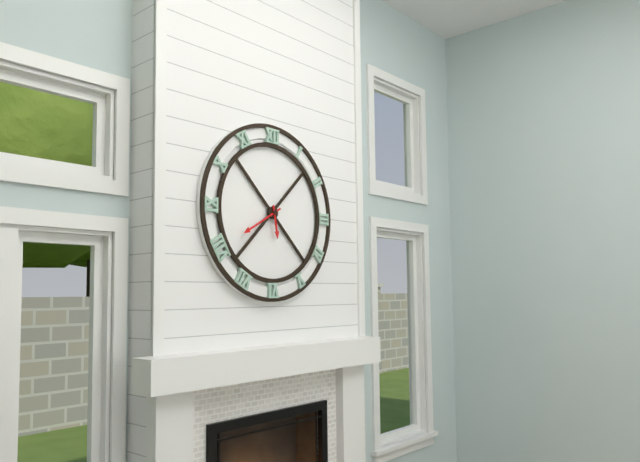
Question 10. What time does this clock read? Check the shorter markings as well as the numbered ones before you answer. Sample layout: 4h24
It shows 5h40
